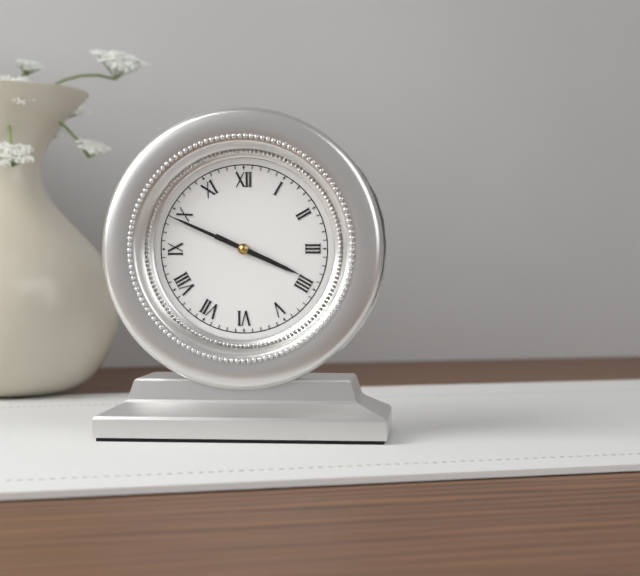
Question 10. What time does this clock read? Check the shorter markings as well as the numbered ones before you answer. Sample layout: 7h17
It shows 3h49
